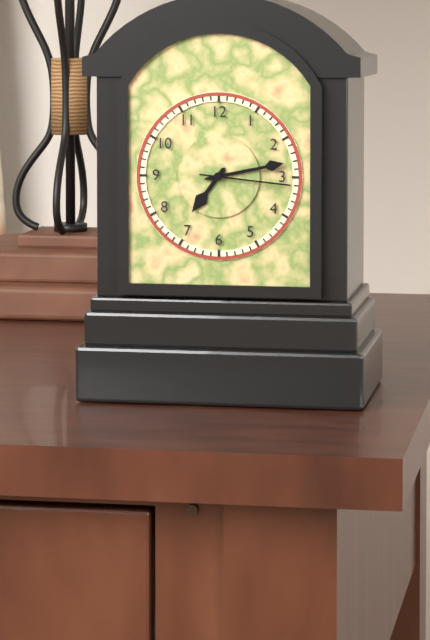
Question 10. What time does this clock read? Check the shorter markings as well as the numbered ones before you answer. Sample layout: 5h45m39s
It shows 7h13m16s
